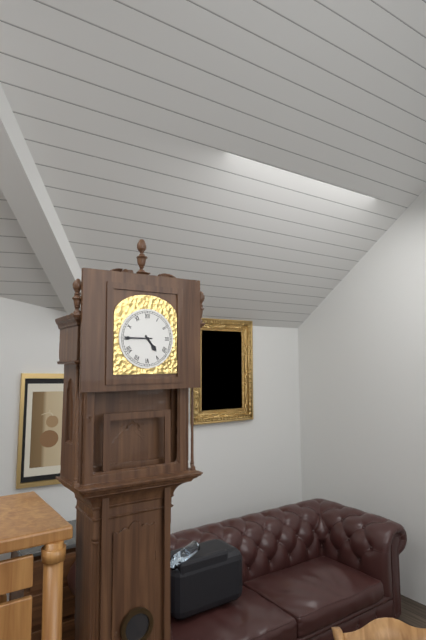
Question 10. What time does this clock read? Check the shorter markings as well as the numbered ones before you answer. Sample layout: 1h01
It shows 4h45
